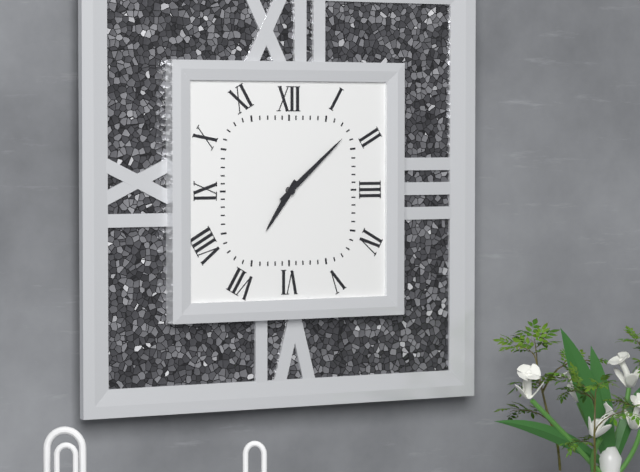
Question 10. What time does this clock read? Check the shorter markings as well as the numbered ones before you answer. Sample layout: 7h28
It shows 7h08
